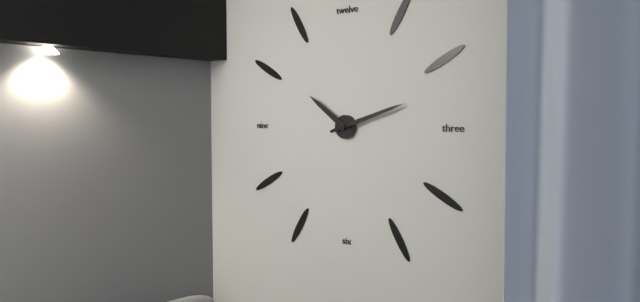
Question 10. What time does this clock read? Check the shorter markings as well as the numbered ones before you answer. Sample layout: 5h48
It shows 10h12
